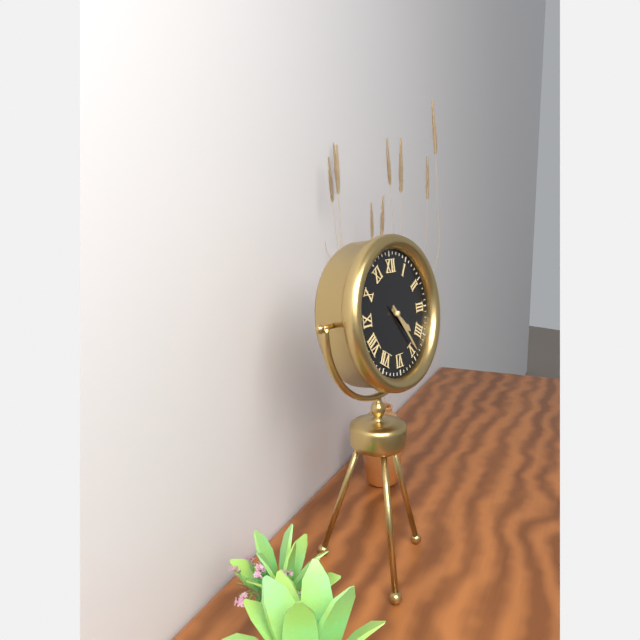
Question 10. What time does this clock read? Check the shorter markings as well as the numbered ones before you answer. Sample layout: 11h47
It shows 4h24
